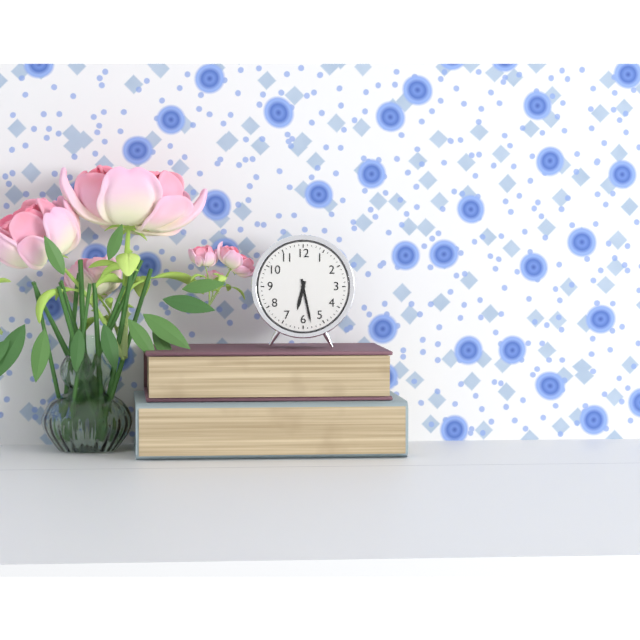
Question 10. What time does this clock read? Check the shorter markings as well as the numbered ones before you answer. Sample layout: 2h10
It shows 6h28
